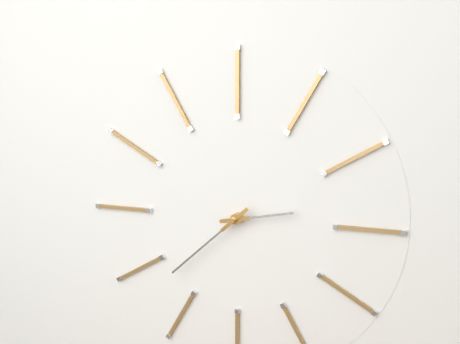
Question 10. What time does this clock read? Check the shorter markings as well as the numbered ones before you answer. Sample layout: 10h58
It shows 2h38
